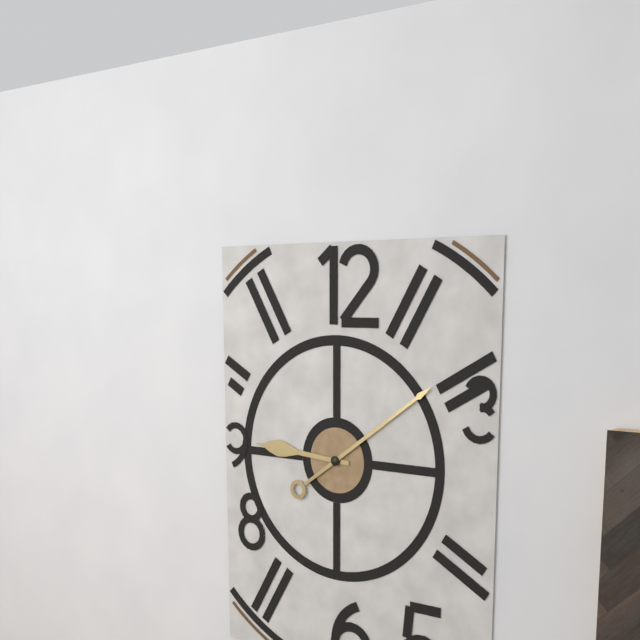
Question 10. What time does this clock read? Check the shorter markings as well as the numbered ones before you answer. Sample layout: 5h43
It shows 9h09
